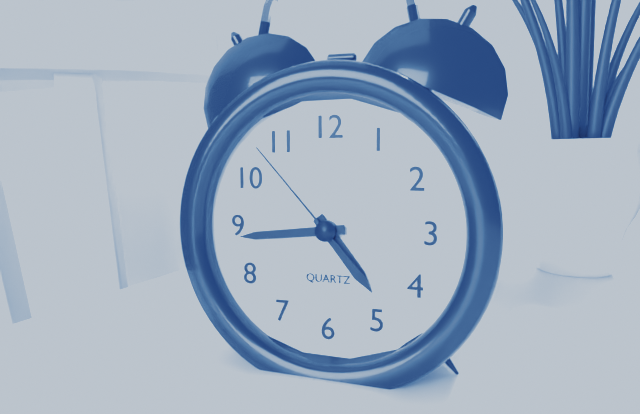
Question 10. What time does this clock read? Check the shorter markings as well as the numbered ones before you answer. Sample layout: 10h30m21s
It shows 4h44m53s
